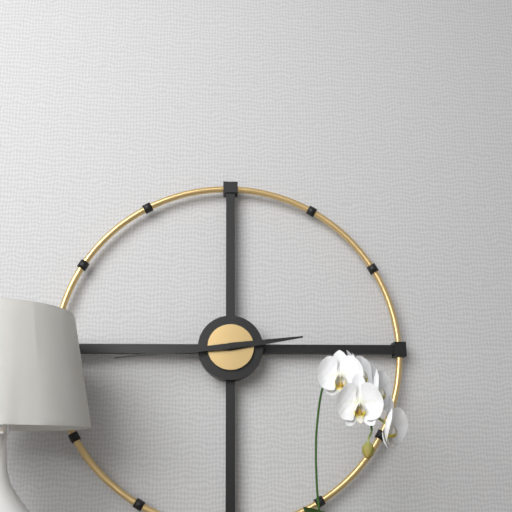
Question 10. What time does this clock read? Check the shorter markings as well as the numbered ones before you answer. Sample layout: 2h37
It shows 2h44
